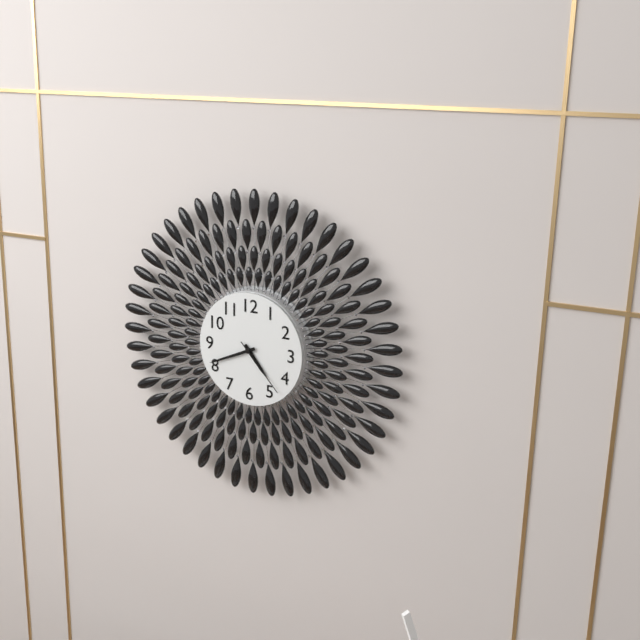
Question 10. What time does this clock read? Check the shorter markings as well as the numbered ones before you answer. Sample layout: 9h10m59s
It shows 4h41m23s
